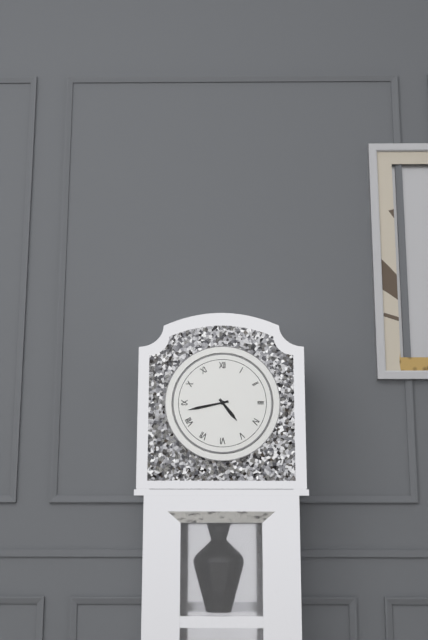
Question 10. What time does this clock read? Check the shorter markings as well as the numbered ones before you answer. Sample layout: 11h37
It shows 4h43
